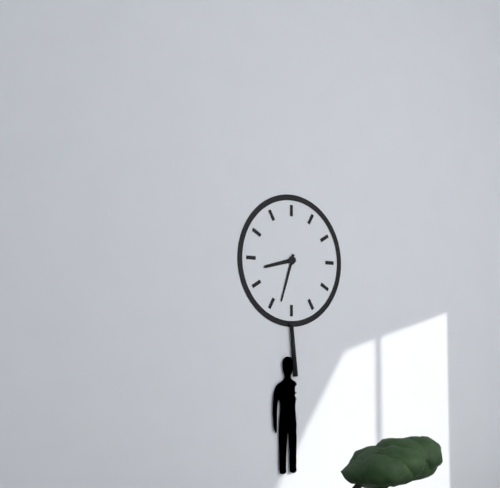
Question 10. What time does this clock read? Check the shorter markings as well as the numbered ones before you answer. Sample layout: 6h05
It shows 8h33
